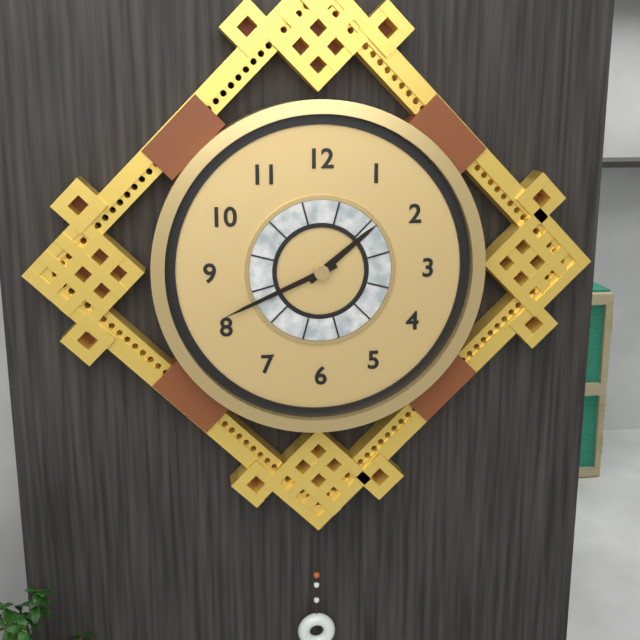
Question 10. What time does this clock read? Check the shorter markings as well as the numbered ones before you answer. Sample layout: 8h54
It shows 1h41
